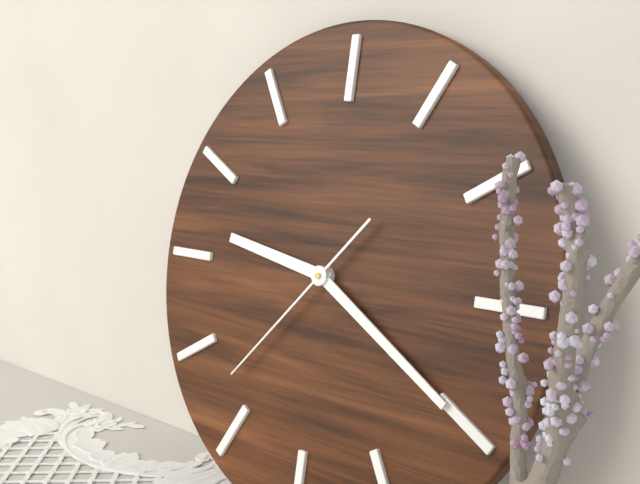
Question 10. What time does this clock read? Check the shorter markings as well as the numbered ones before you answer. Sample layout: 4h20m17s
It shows 9h20m37s
